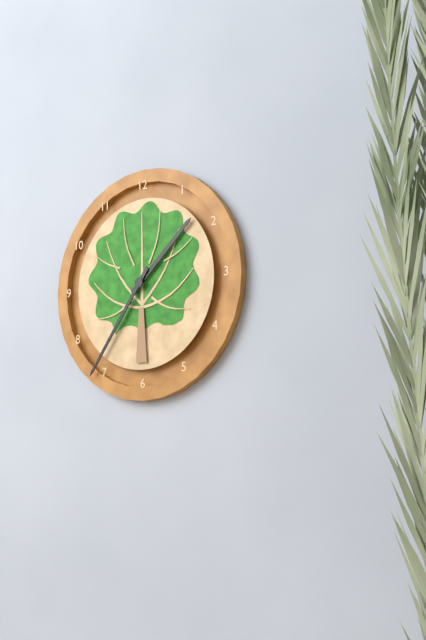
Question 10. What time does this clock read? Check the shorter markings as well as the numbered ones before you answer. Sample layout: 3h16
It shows 1h36
